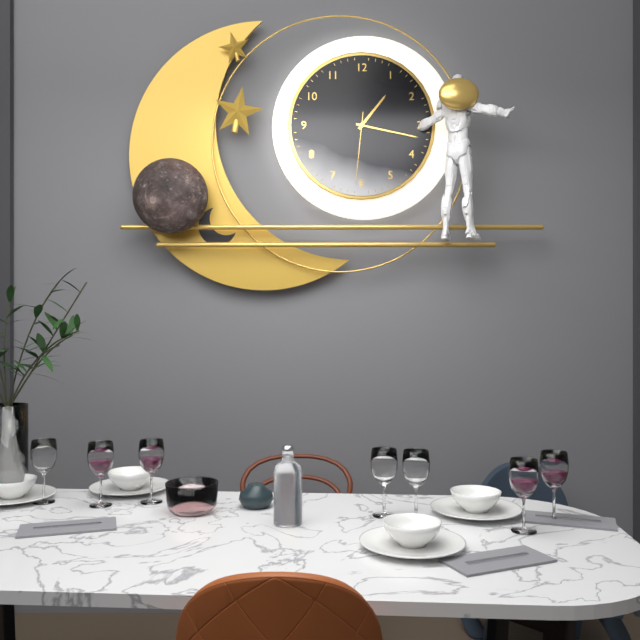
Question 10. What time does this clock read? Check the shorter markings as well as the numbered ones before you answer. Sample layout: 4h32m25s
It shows 1h17m31s
